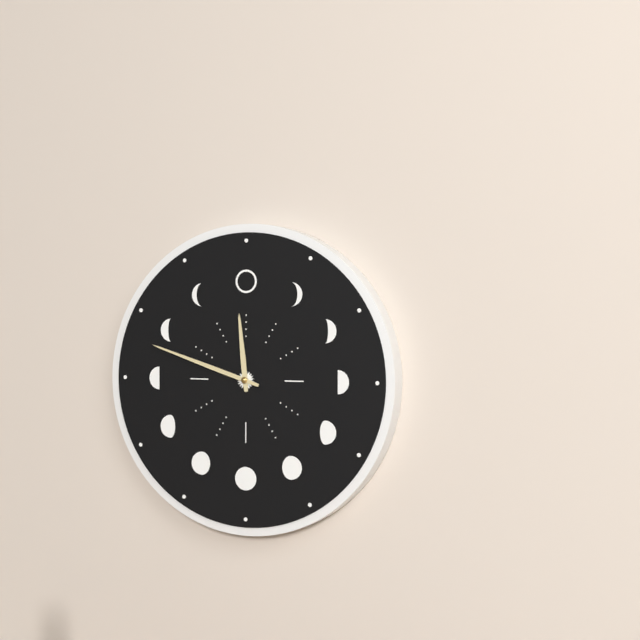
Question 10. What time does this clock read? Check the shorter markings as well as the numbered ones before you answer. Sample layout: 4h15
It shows 11h48
